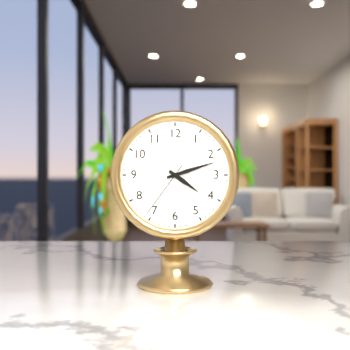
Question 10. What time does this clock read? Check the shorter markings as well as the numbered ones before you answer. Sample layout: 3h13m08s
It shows 4h12m36s
